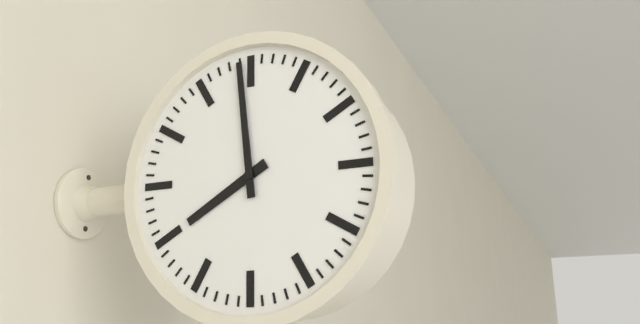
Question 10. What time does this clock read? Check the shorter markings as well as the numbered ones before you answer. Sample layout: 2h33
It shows 7h59
